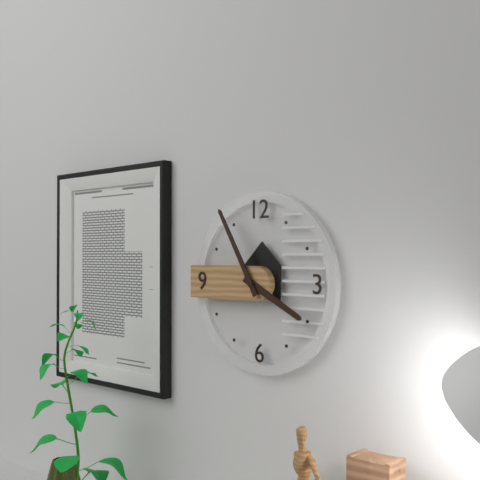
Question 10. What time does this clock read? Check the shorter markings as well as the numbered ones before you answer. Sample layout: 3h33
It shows 3h55
